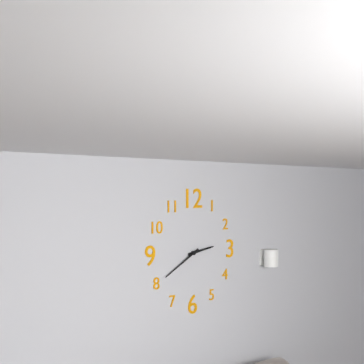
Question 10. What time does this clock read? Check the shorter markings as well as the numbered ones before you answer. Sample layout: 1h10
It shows 2h40
